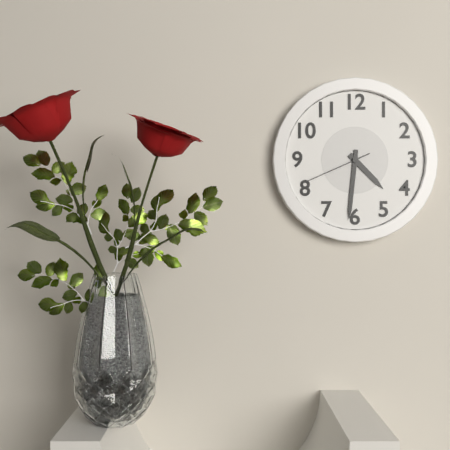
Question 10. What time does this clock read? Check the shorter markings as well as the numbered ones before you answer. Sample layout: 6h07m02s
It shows 4h31m41s
